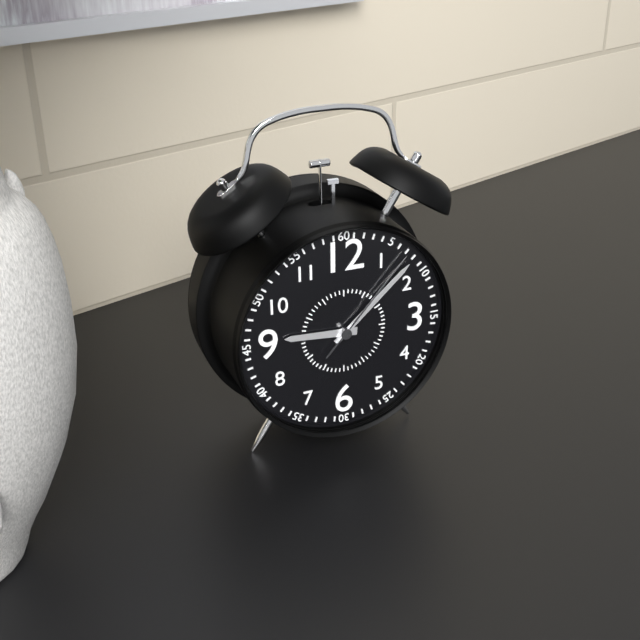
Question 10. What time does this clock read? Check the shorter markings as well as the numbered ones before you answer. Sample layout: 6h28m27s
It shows 9h08m07s
